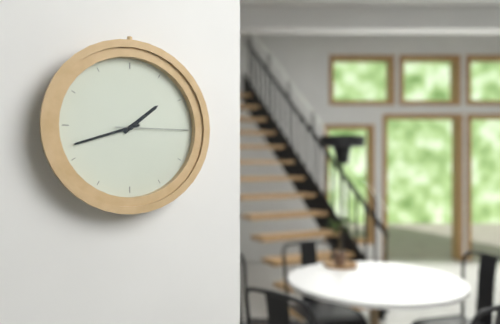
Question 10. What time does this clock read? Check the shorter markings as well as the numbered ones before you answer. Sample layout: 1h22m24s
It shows 1h42m15s
